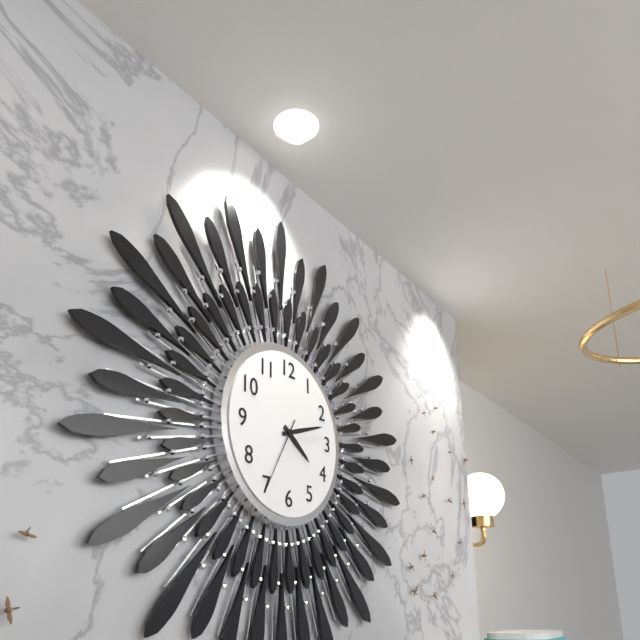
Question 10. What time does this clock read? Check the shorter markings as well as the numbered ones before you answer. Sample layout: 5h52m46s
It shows 4h12m35s
